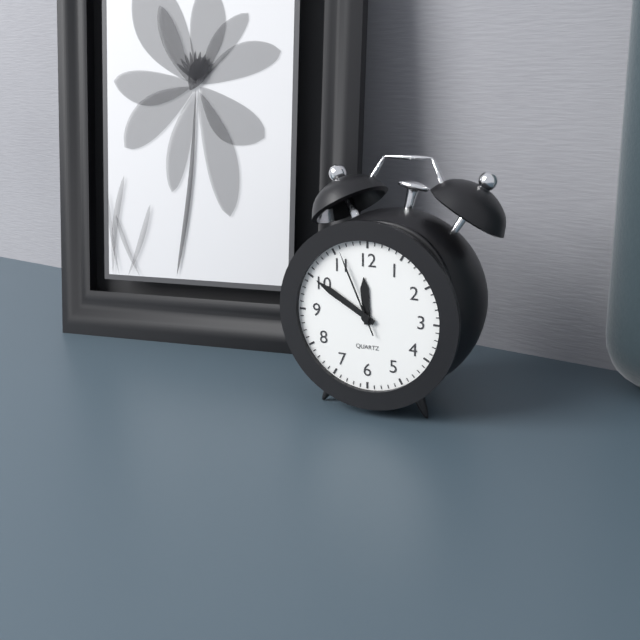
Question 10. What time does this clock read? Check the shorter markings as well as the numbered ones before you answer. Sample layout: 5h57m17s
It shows 11h50m56s
